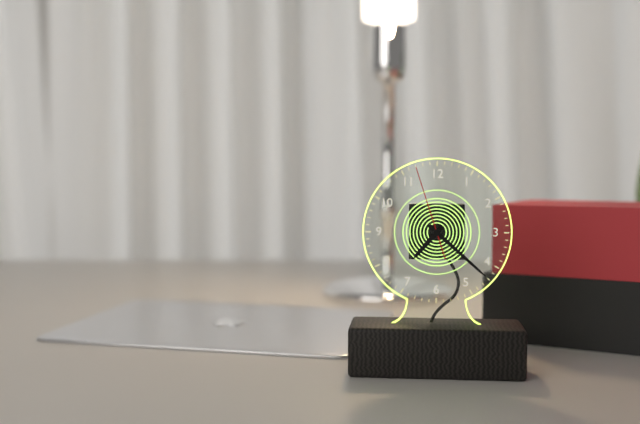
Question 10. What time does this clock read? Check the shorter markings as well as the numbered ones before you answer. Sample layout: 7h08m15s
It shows 7h22m57s
